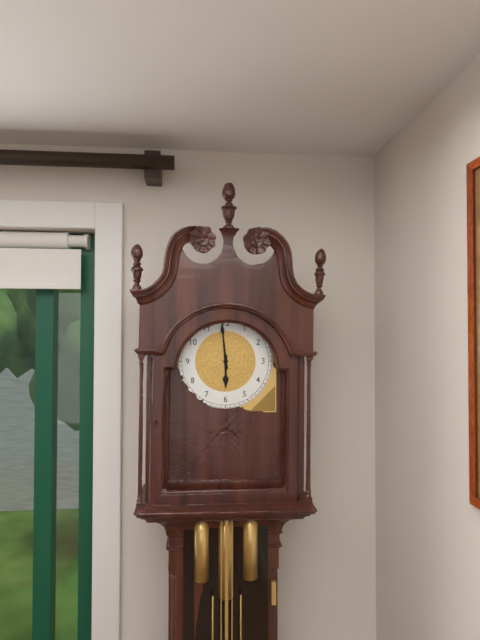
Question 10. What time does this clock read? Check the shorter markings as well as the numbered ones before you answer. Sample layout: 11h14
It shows 5h59
